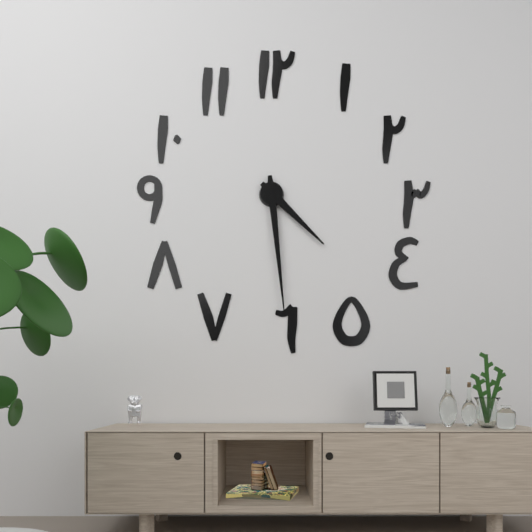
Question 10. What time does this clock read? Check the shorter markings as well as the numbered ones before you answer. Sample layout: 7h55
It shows 4h29
